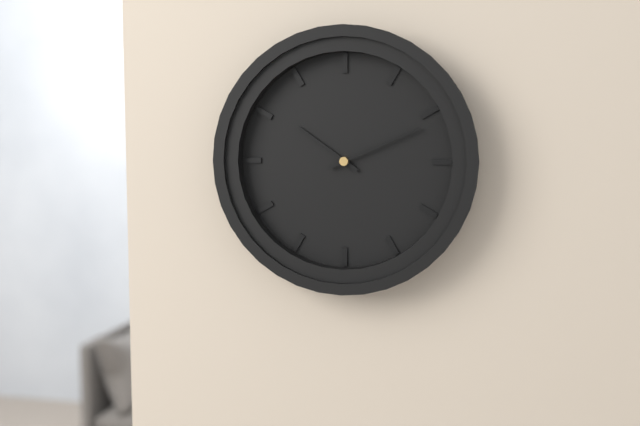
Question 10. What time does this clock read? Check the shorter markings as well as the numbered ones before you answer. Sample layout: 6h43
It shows 10h11
